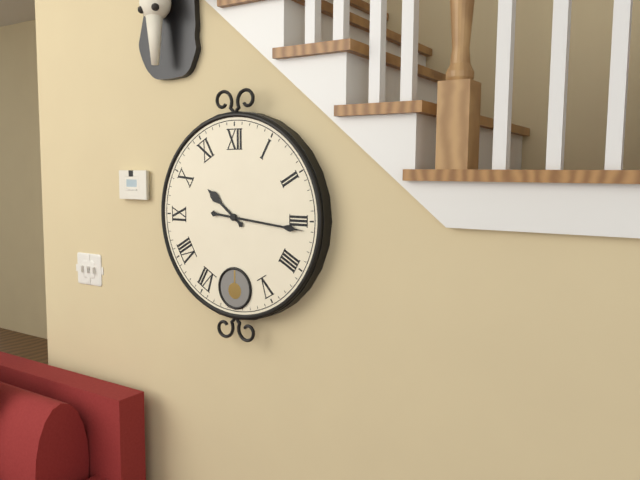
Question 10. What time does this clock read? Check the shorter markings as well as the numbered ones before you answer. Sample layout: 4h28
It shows 10h16
